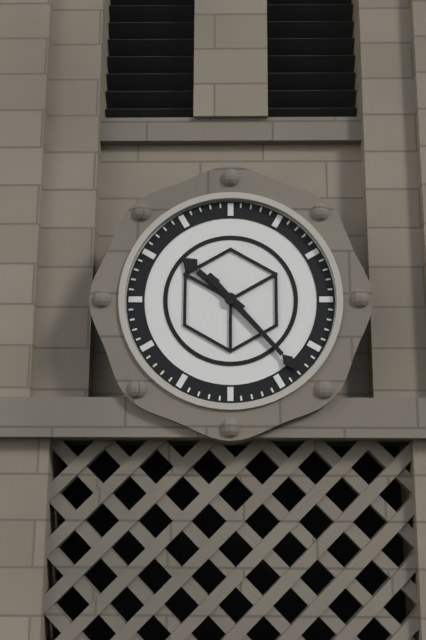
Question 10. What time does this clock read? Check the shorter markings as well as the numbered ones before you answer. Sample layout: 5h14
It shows 10h23
